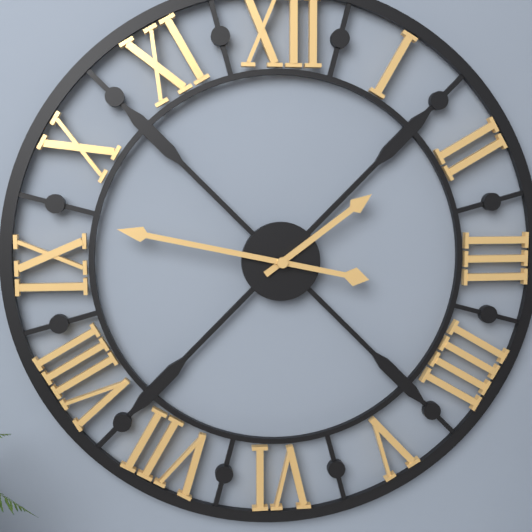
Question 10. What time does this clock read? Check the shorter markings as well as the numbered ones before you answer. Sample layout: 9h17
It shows 1h47
